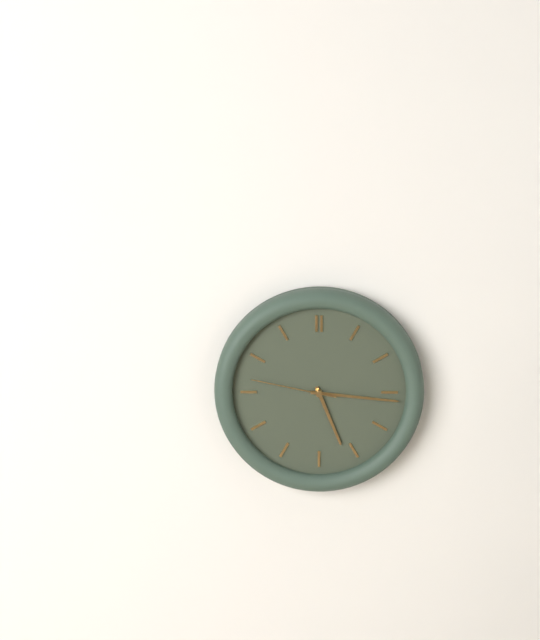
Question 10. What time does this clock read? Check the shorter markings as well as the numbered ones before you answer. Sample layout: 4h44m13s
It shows 5h16m47s
